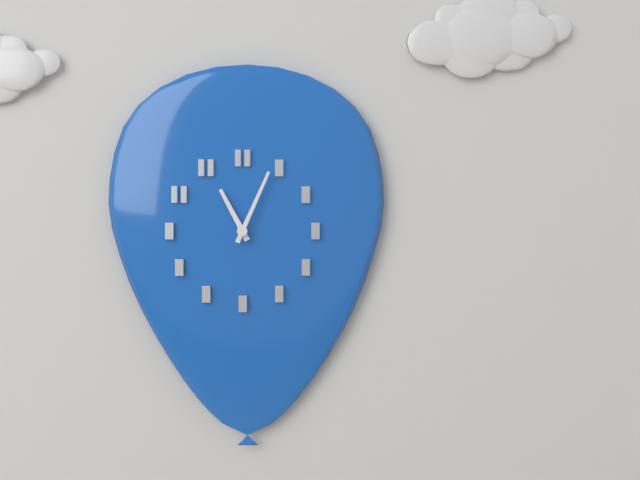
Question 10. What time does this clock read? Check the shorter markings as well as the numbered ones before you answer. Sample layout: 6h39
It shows 11h04
